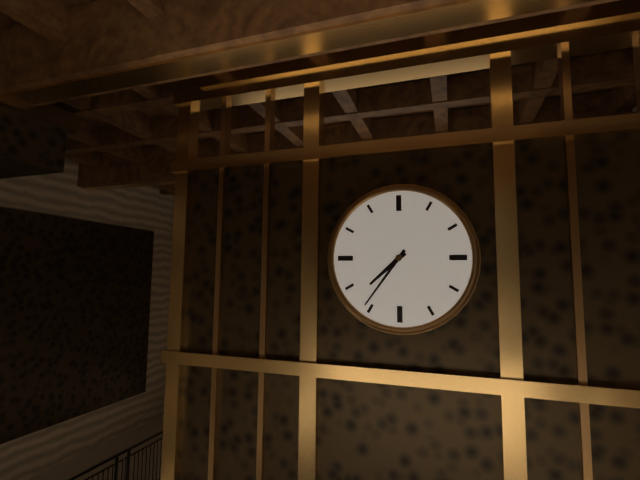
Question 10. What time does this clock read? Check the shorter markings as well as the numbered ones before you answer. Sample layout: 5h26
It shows 7h36
